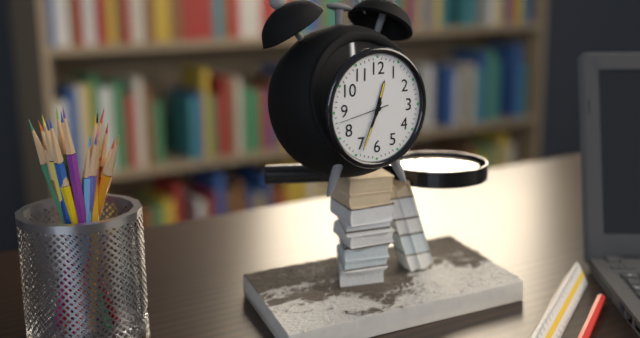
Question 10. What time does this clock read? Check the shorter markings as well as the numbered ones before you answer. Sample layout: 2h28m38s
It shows 12h34m43s
